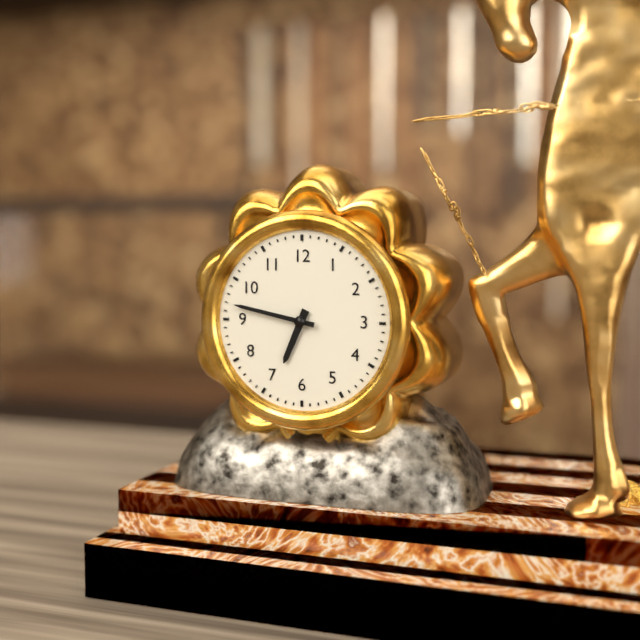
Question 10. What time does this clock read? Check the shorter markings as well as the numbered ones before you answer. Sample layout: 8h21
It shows 6h47
